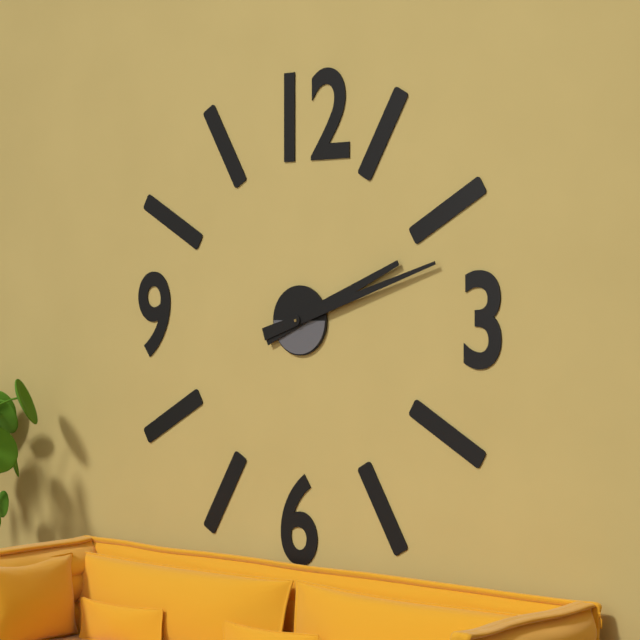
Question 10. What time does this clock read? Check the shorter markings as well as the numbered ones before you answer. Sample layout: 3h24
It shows 2h12
